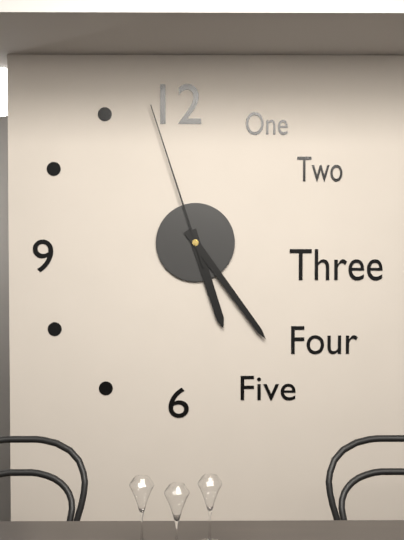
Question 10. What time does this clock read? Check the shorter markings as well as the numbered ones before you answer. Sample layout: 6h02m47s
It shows 5h24m57s
